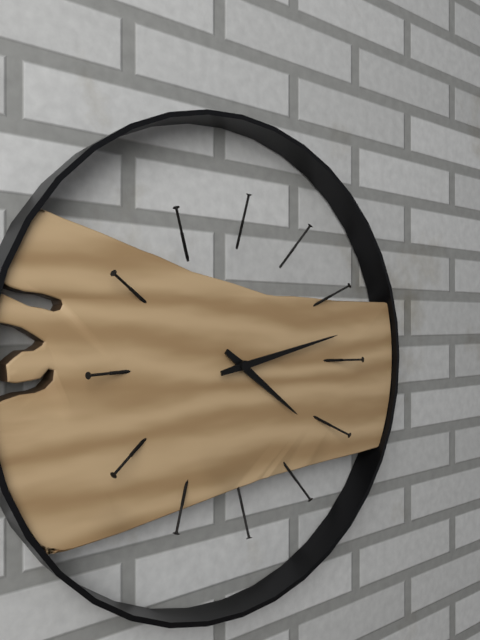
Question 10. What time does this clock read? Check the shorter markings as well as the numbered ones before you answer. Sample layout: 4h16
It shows 4h13
